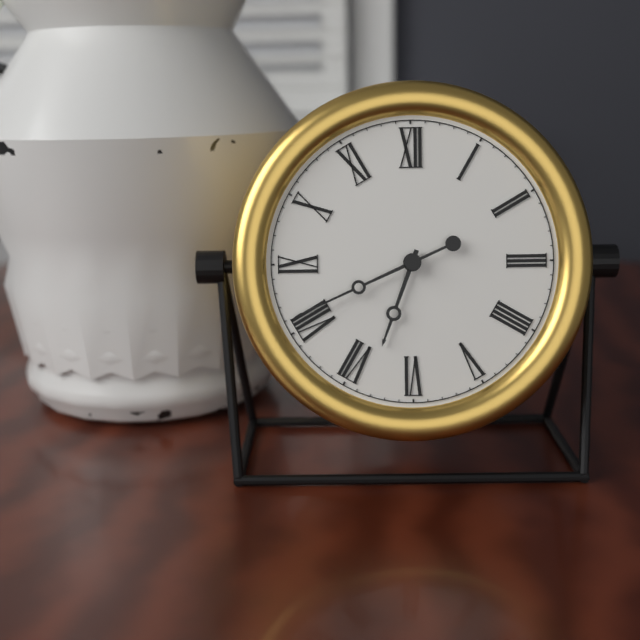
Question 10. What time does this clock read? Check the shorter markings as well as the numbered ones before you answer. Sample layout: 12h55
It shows 6h41
